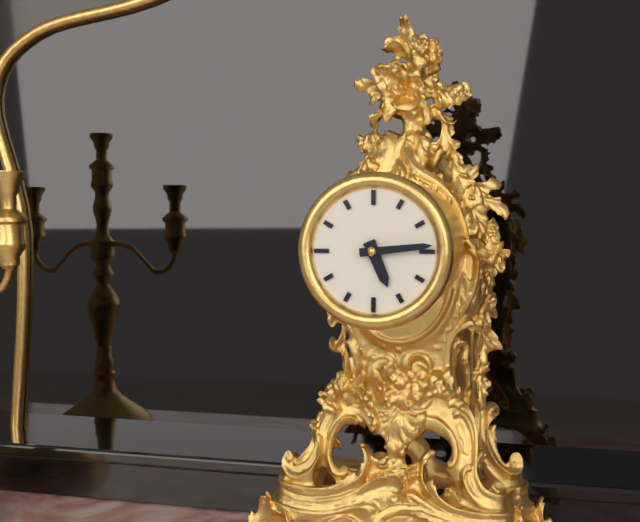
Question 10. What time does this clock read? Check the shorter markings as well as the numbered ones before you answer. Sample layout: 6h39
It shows 5h14
